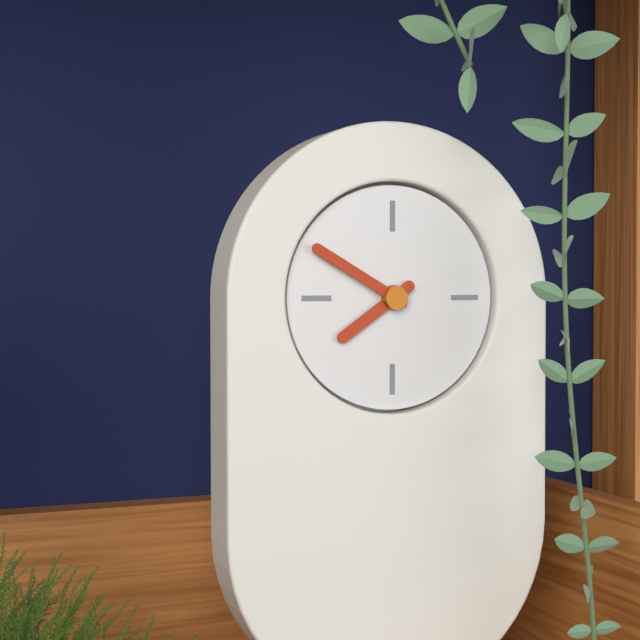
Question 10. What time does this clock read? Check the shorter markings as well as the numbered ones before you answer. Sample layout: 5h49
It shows 7h50
